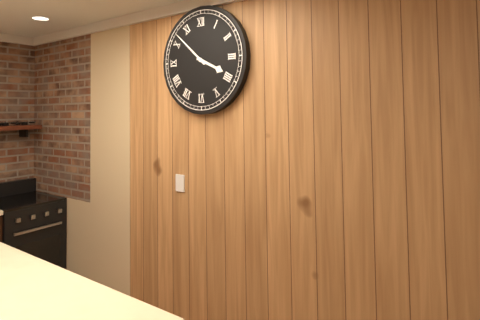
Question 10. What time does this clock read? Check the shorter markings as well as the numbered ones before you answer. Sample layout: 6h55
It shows 3h52
